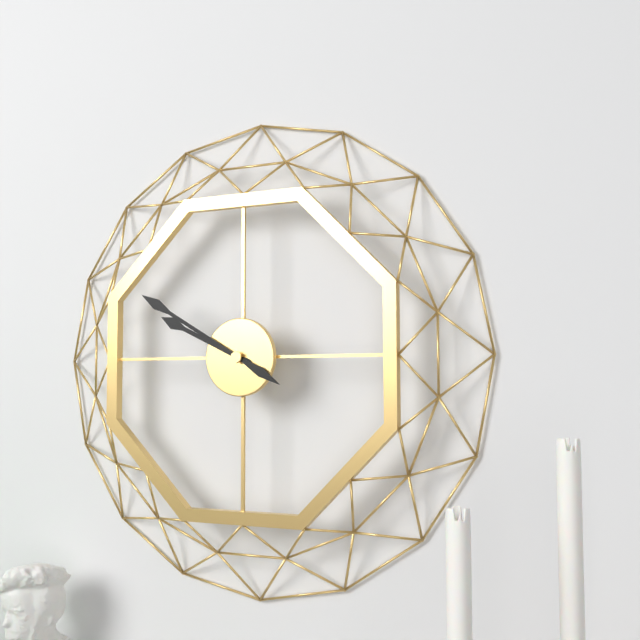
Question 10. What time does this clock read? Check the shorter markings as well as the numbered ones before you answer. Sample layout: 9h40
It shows 9h50
